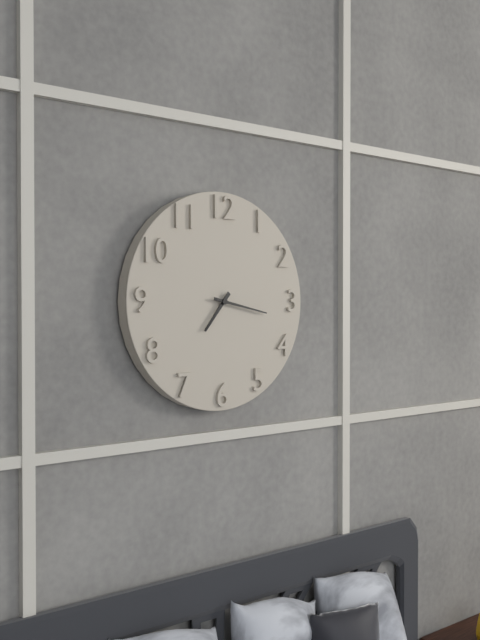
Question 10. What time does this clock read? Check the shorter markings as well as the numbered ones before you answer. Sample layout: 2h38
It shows 7h17
